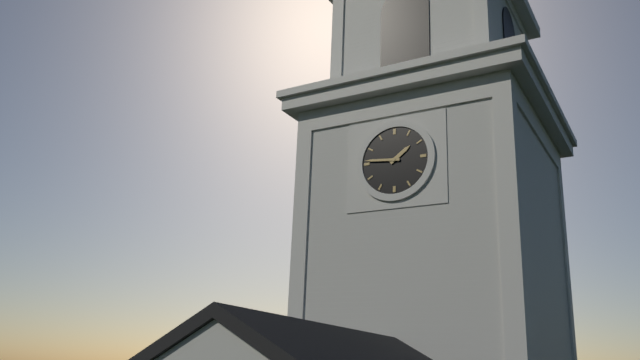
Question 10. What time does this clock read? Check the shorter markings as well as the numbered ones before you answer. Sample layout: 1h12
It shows 1h46
